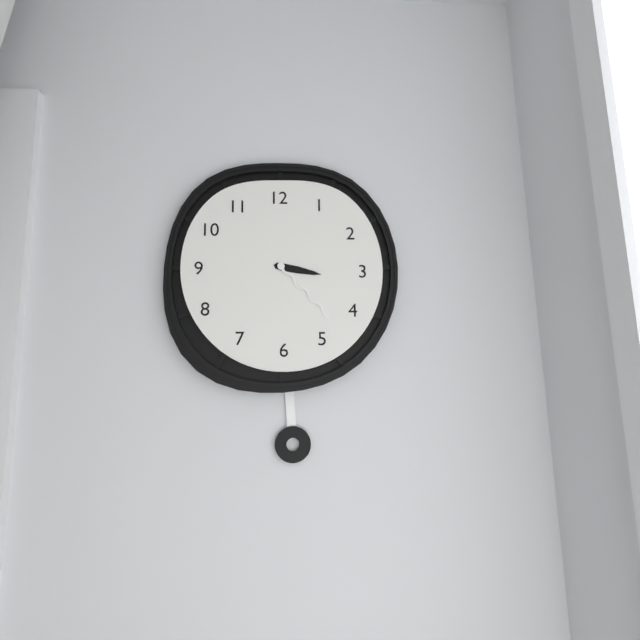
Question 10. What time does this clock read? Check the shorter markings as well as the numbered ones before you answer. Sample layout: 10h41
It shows 3h23
